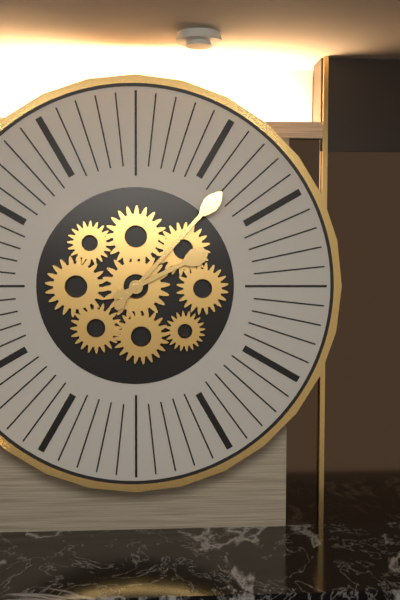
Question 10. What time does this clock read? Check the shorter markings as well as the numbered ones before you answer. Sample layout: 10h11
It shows 2h07
